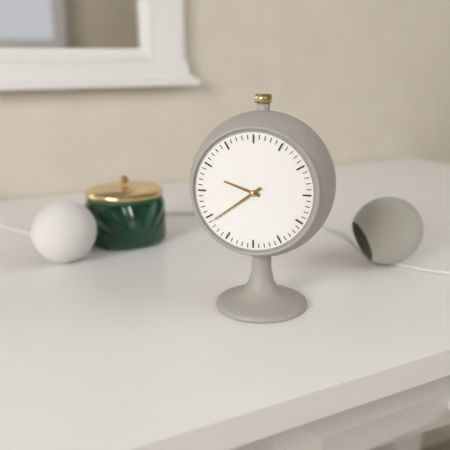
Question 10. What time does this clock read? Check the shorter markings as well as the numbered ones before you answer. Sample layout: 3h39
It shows 9h39
